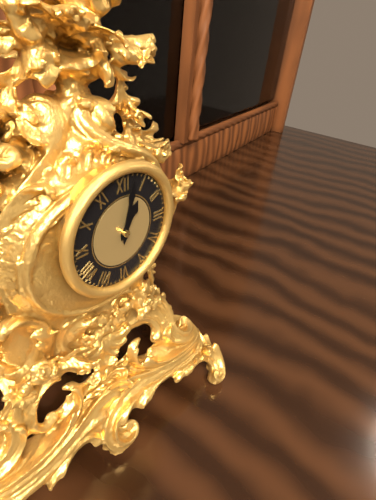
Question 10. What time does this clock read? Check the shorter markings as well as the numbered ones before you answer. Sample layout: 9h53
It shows 1h02
